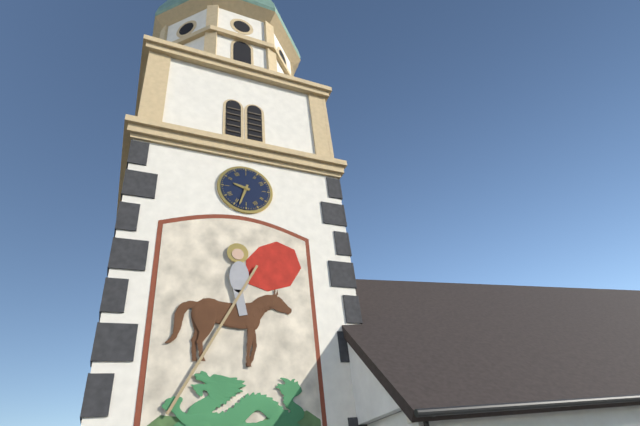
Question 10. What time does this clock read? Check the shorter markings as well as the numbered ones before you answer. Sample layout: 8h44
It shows 9h33
